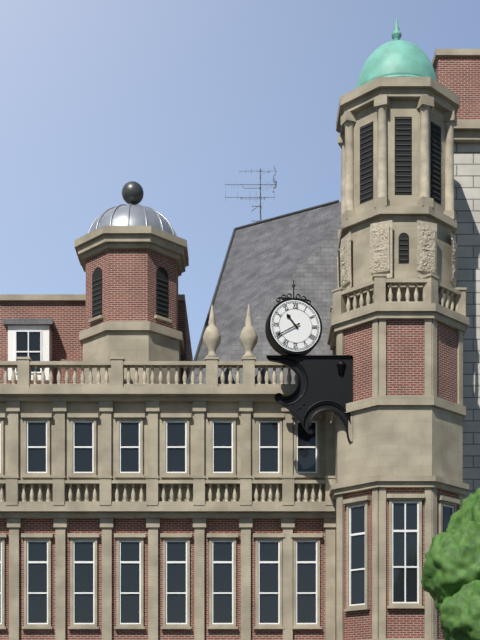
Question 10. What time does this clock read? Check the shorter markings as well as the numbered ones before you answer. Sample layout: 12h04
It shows 10h40
